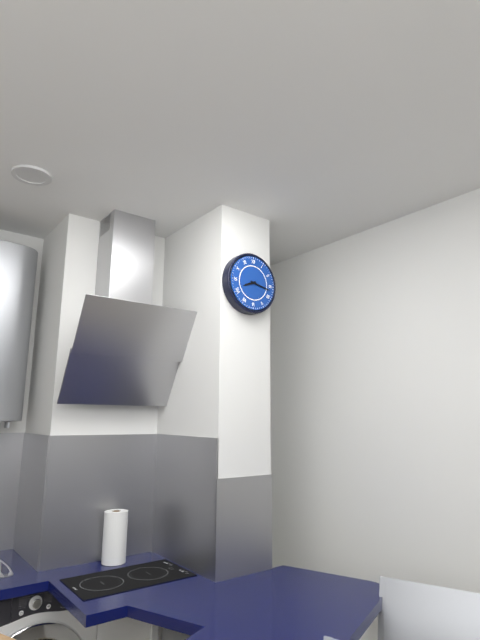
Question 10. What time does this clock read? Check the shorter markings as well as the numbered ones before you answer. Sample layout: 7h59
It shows 8h17
